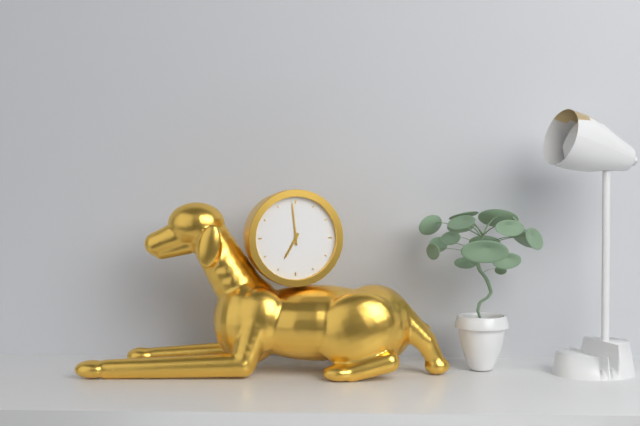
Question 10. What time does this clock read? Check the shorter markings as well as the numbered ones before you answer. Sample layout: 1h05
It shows 6h59
